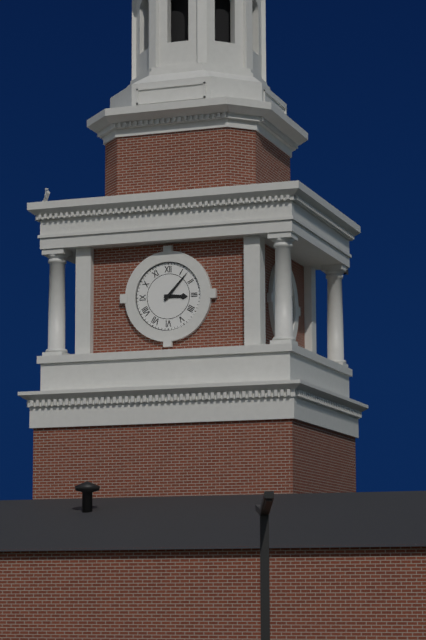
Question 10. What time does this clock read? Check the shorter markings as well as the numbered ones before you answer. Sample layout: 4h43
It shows 3h07
